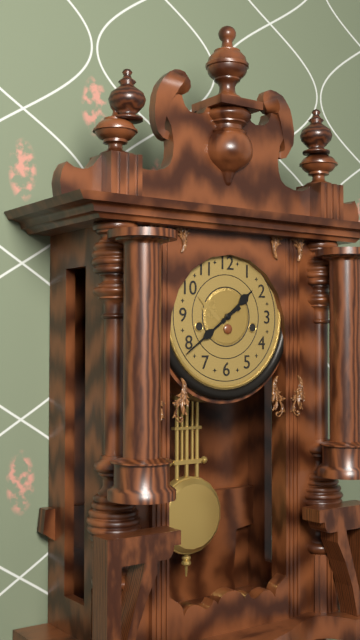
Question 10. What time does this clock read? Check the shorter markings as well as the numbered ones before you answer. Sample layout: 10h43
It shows 1h39
